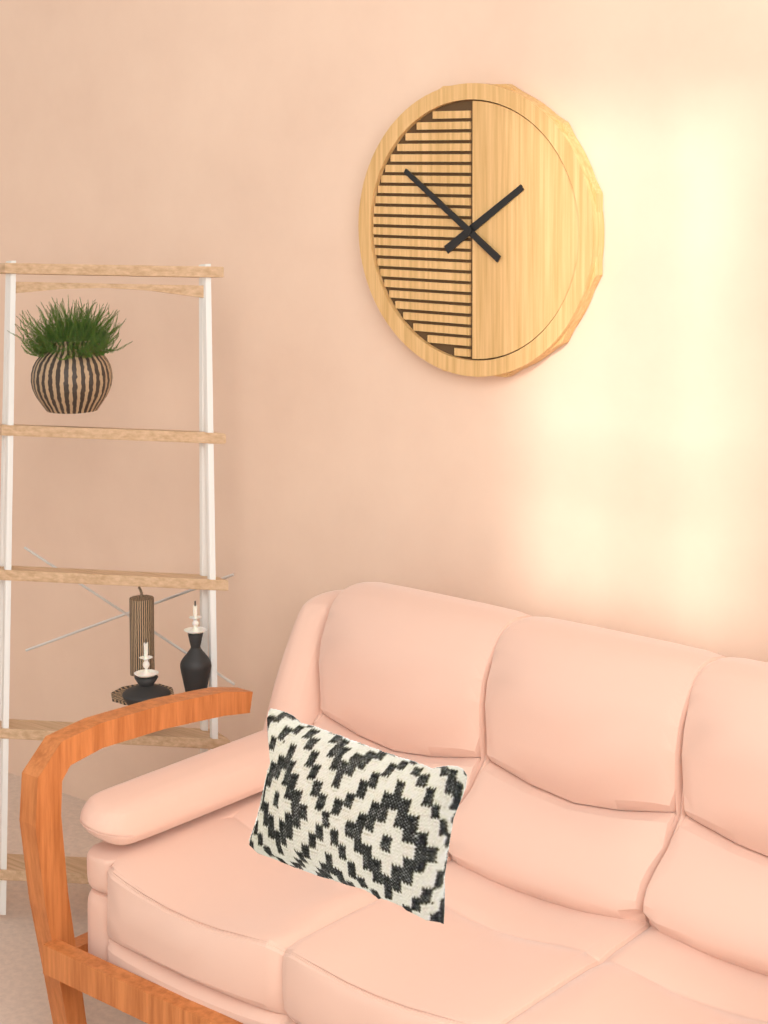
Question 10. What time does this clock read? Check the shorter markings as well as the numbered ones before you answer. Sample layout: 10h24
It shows 1h51
